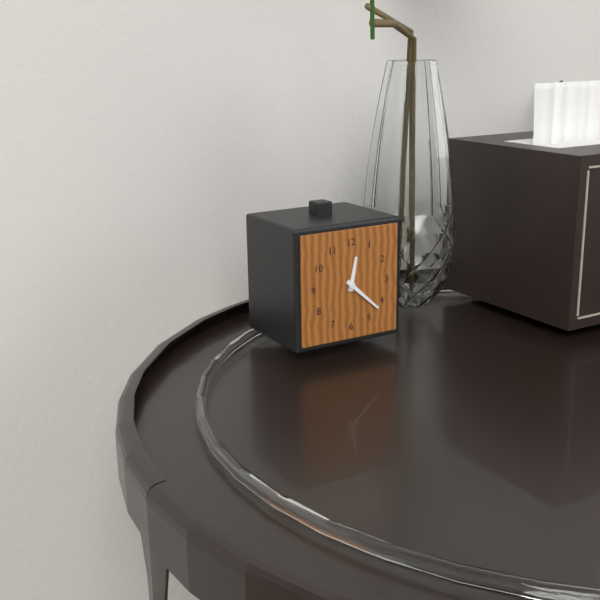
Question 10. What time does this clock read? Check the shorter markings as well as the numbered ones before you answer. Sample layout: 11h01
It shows 12h22
